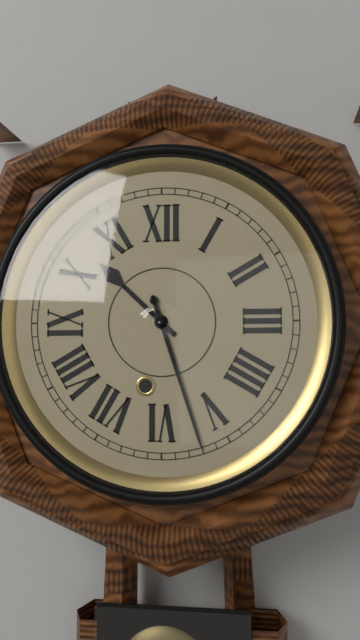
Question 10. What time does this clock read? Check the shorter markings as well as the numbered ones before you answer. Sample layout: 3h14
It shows 10h27
